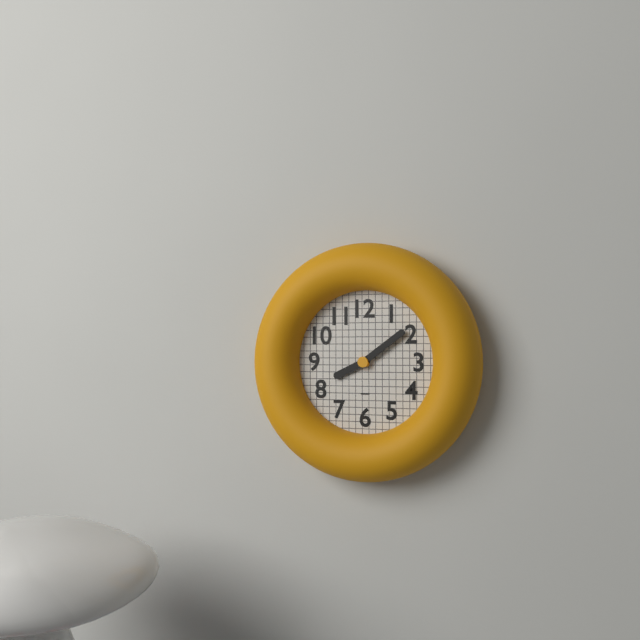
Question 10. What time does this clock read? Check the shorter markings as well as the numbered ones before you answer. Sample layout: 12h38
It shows 8h09
